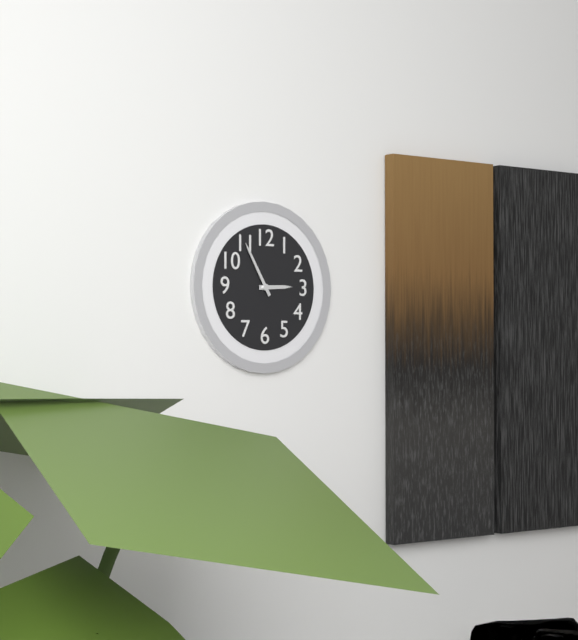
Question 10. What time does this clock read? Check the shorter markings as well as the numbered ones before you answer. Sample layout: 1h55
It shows 2h55
